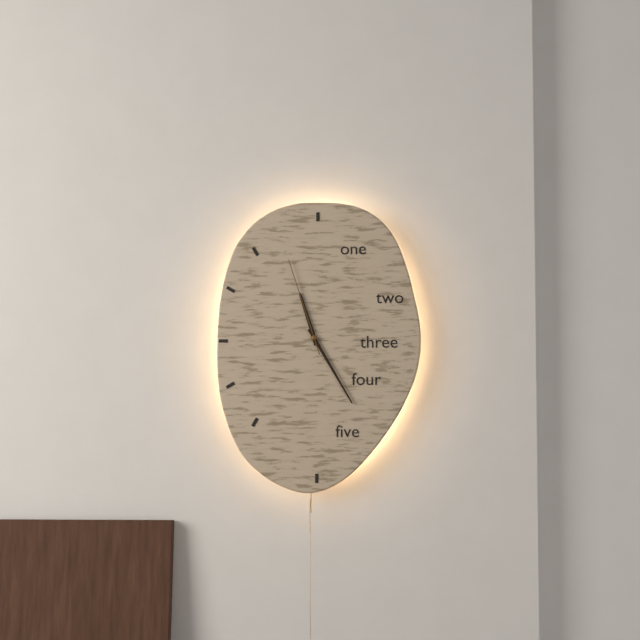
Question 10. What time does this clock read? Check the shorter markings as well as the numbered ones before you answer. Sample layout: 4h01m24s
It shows 11h25m57s
